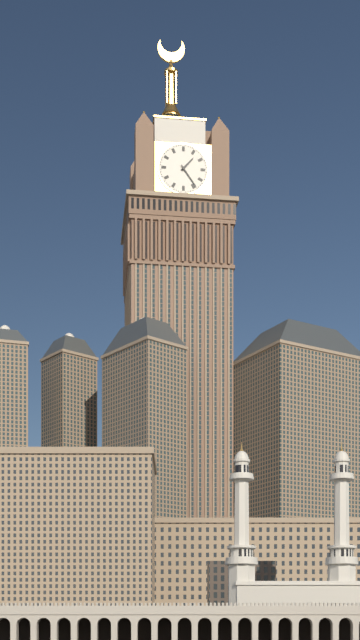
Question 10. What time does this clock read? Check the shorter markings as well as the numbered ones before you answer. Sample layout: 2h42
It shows 1h24
